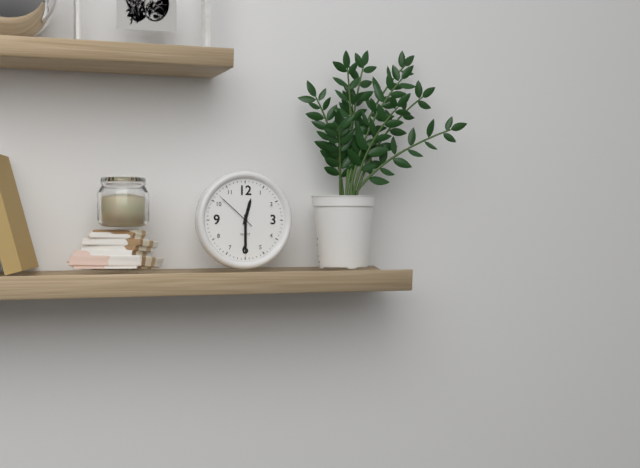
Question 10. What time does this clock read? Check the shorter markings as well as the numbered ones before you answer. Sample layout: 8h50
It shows 12h30
